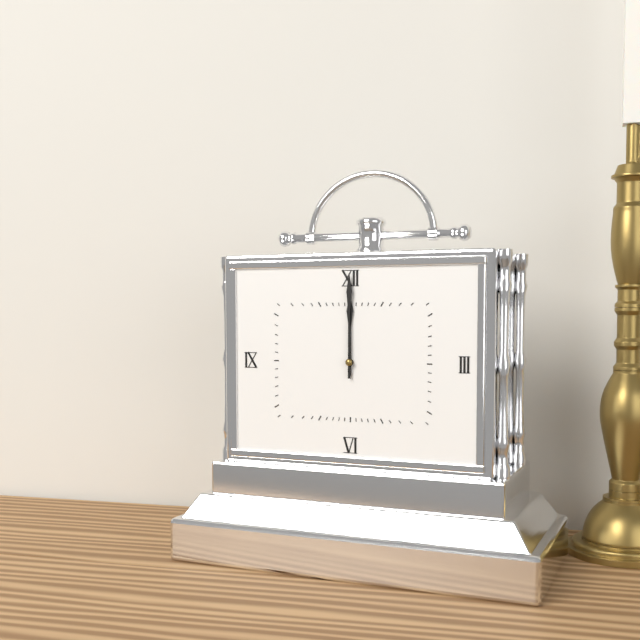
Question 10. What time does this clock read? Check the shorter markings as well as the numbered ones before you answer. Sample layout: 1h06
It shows 12h00
